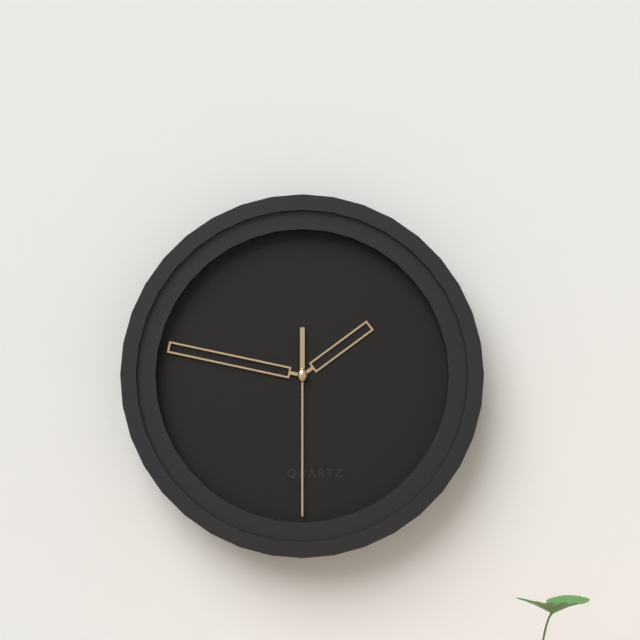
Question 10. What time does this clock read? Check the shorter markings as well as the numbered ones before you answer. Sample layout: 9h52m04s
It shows 1h47m30s
